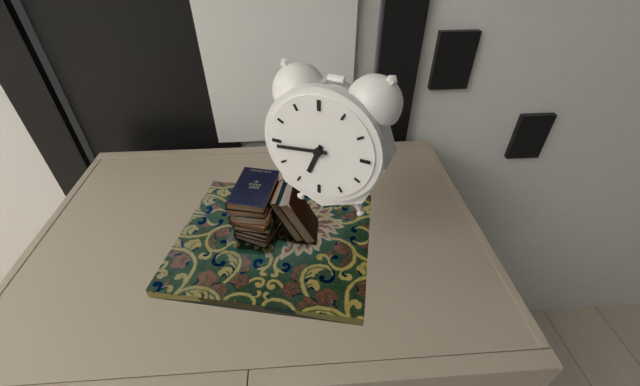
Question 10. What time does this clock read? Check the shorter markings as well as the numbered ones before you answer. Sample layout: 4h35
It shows 6h44
